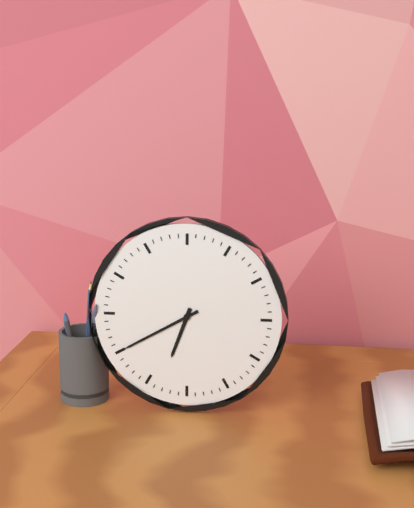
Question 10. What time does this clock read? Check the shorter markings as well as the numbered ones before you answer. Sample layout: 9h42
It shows 6h40
